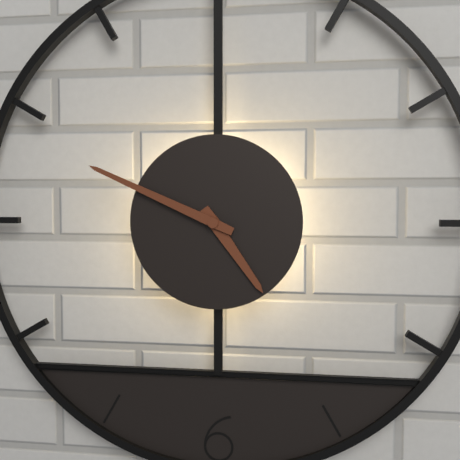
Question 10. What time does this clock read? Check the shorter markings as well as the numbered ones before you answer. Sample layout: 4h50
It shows 4h49
